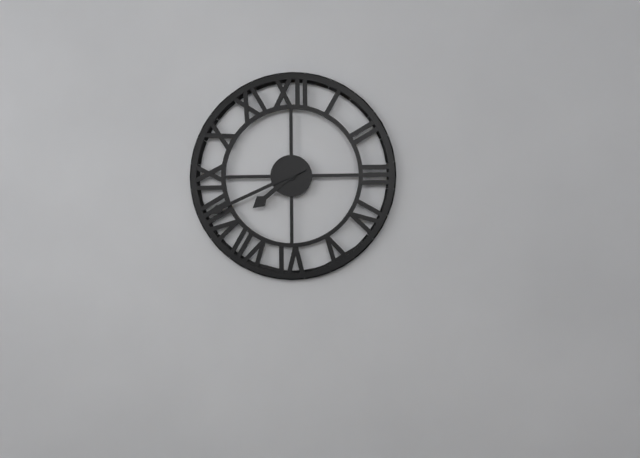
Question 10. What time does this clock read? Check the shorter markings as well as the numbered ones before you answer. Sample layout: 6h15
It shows 7h41
